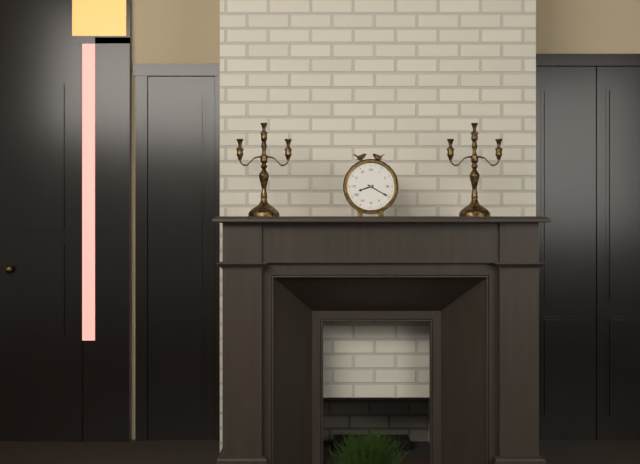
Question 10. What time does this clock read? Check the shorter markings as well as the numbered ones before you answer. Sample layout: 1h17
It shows 8h20
